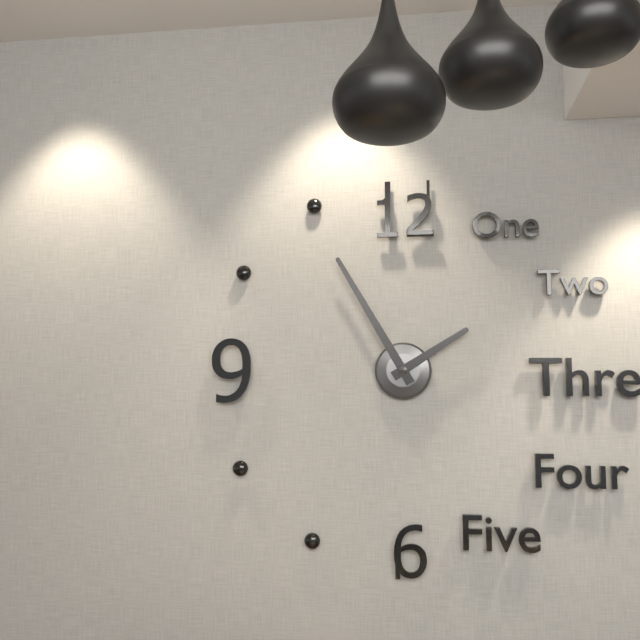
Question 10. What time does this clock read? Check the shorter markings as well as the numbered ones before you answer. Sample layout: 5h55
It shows 1h55
